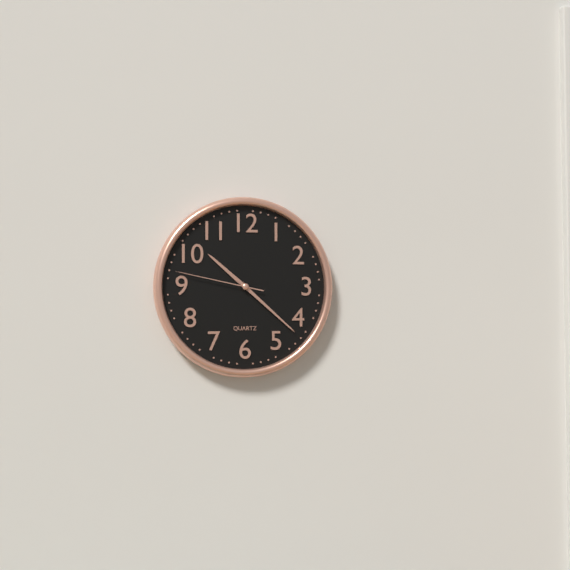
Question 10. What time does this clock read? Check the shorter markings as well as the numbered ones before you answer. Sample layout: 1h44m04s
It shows 10h22m47s
